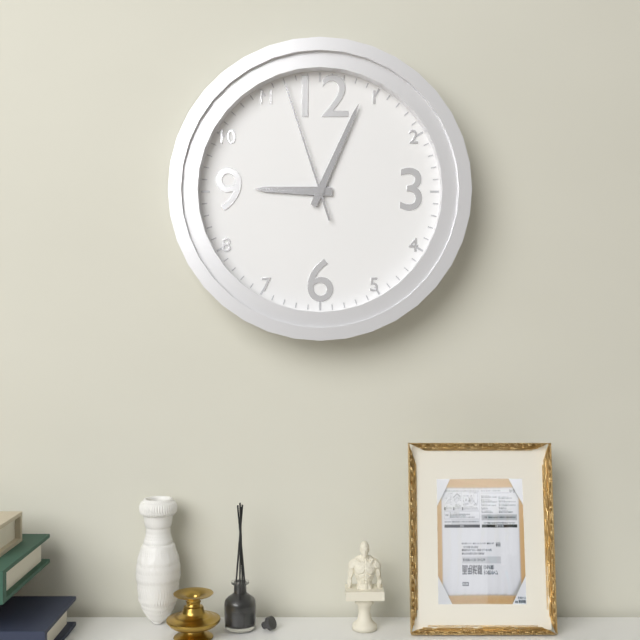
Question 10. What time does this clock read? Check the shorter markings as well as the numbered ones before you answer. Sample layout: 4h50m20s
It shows 9h04m57s
